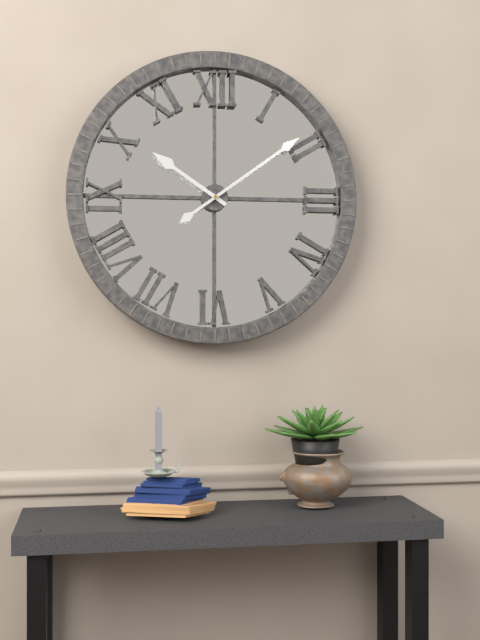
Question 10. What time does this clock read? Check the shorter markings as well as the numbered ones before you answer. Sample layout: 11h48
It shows 10h09
